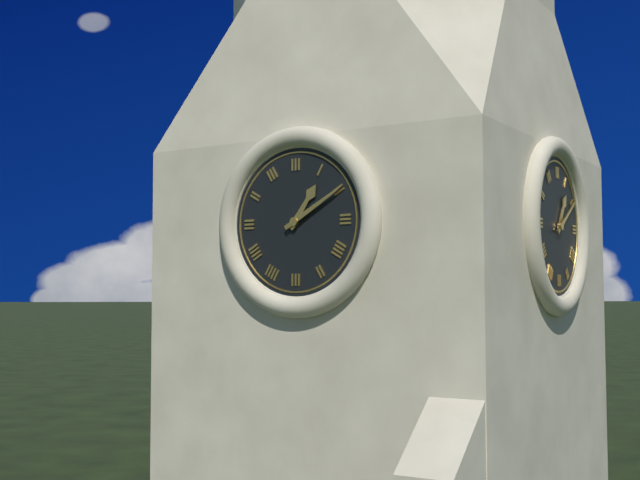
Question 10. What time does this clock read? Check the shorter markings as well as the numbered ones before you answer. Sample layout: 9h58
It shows 1h10
